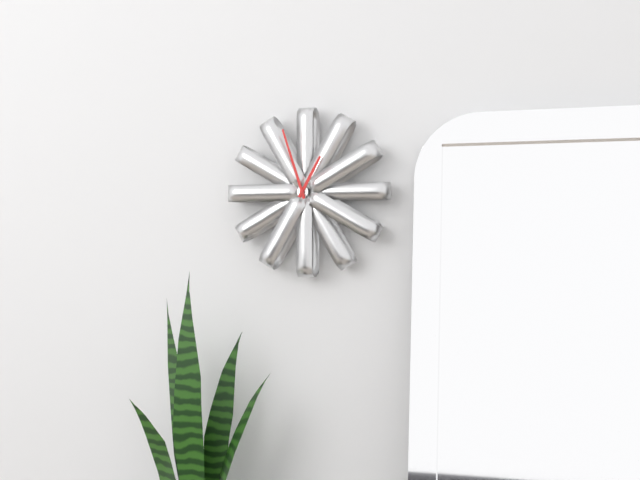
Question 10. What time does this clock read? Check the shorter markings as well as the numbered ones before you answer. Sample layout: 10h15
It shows 12h57
